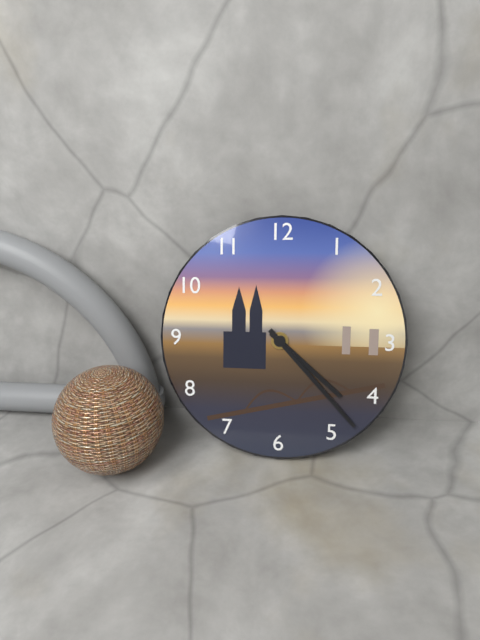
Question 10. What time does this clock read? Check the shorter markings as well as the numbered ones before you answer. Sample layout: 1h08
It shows 4h23
